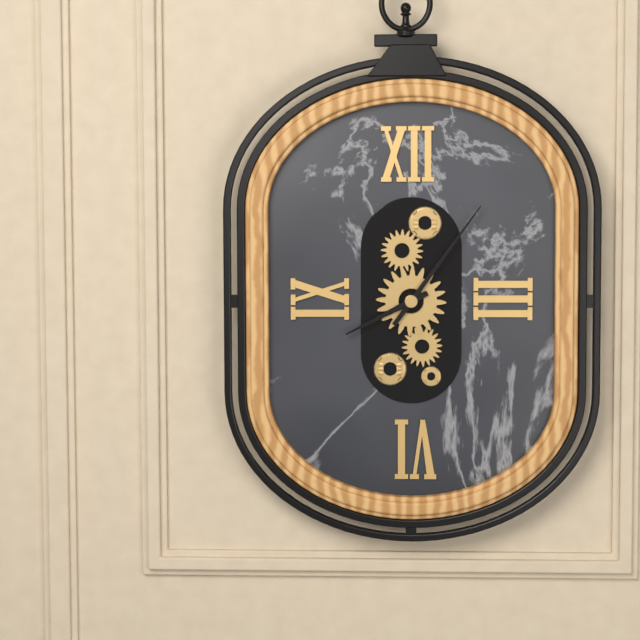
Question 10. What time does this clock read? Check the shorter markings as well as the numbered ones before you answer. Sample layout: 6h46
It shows 8h06
